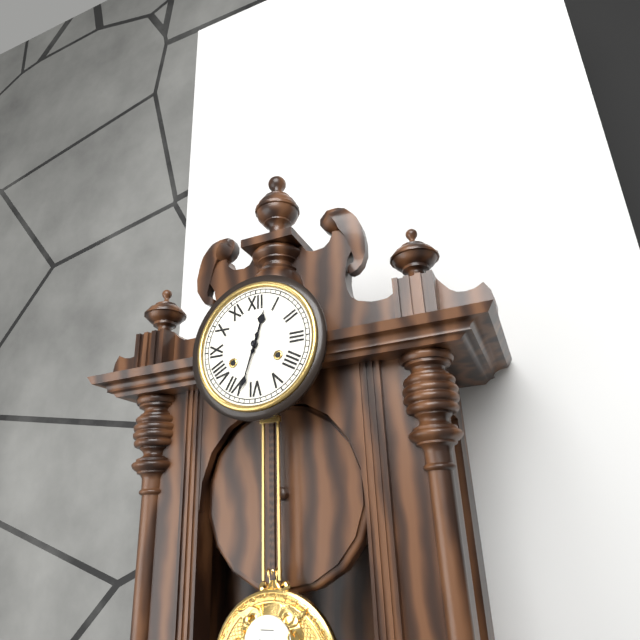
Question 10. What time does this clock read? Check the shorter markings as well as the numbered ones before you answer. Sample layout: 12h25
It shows 12h33
